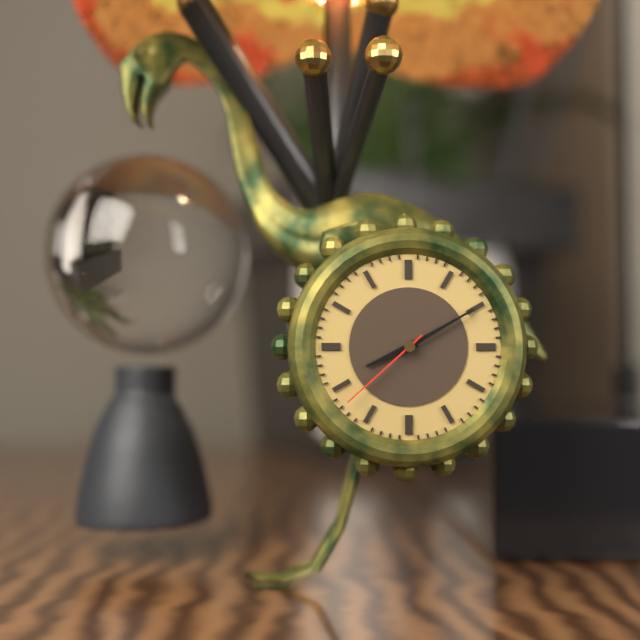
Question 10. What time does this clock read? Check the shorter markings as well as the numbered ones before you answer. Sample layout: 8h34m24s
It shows 8h10m38s
